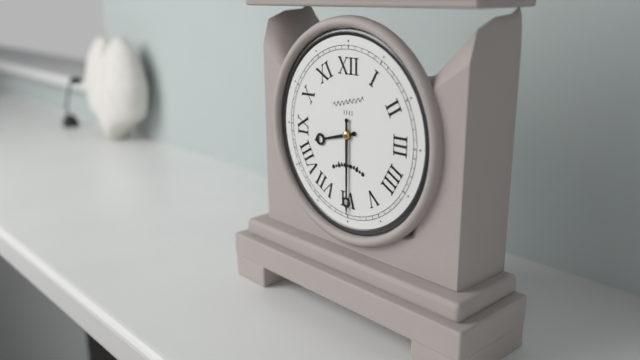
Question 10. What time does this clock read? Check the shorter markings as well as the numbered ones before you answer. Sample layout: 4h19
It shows 8h30
